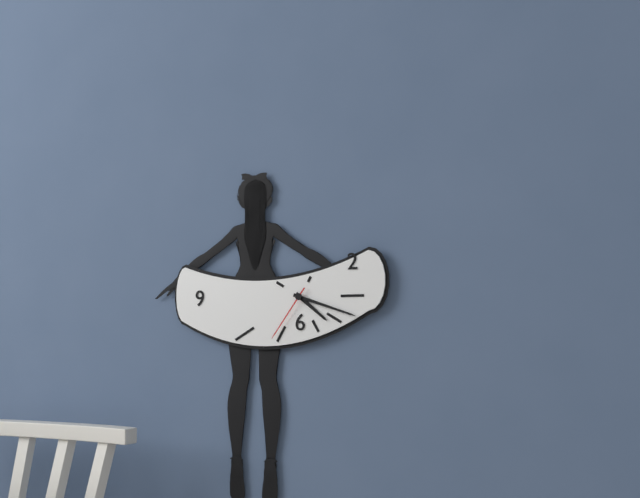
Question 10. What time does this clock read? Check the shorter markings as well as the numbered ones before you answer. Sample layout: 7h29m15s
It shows 4h18m36s
